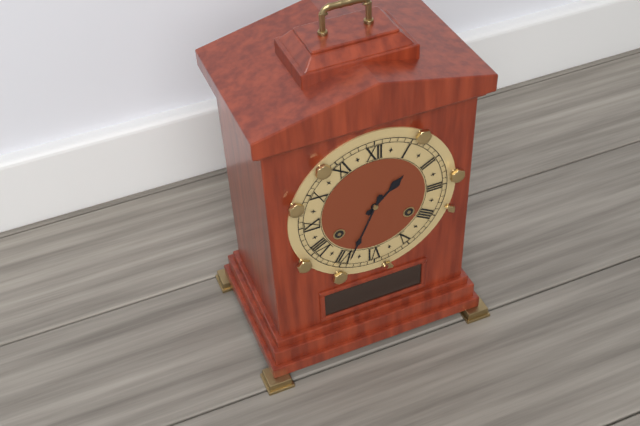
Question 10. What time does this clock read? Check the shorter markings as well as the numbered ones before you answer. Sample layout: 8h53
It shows 1h34
